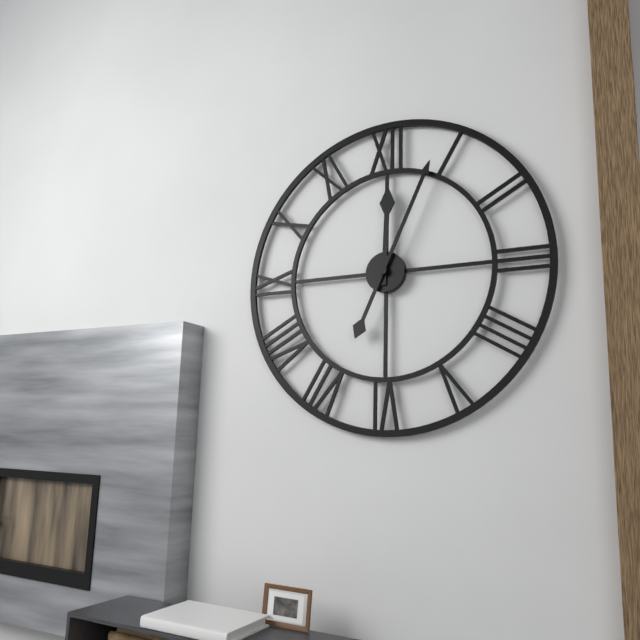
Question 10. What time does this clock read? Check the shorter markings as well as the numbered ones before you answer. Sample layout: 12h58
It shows 12h04
